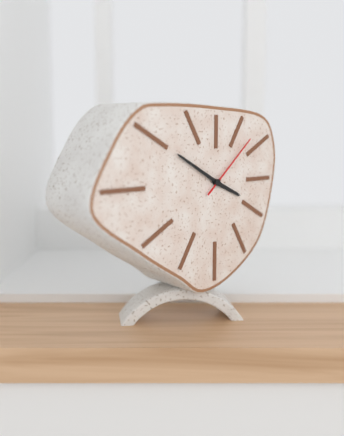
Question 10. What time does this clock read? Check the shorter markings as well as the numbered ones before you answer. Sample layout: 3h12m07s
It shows 3h50m08s
